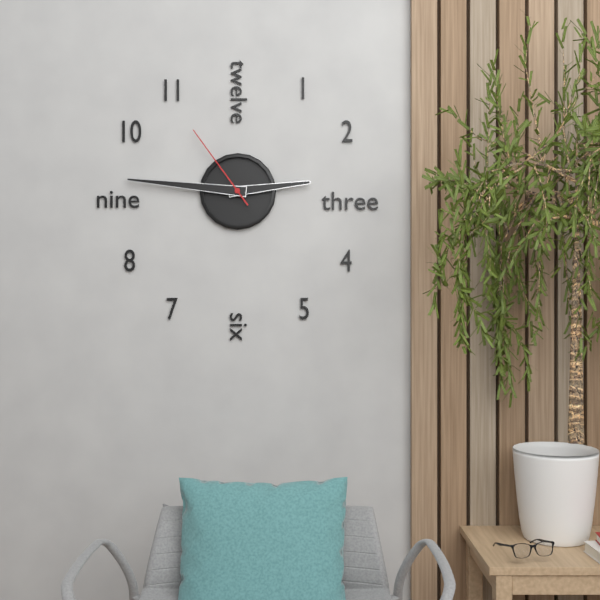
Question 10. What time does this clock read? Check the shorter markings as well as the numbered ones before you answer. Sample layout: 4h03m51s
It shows 2h46m54s
